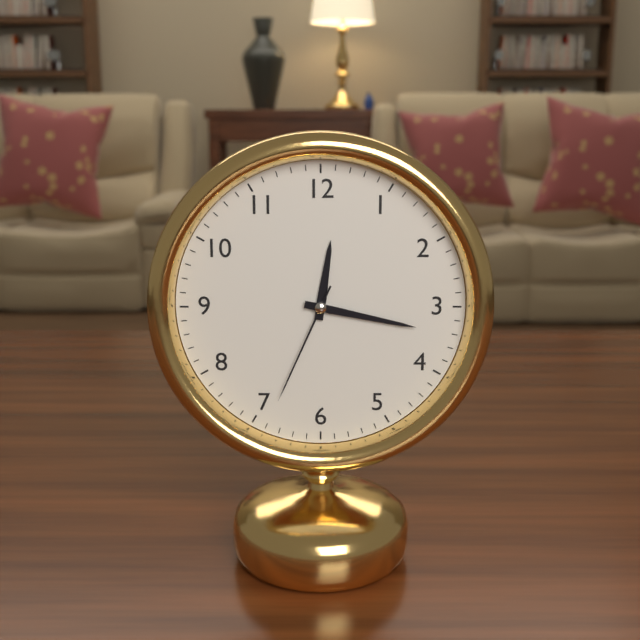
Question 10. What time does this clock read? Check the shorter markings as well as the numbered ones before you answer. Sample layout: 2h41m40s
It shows 12h17m34s
